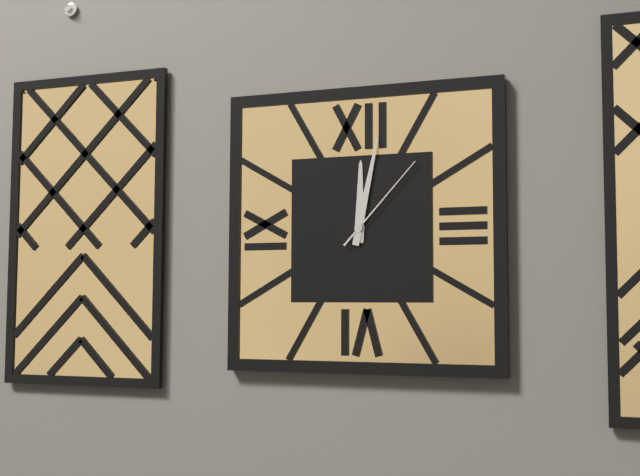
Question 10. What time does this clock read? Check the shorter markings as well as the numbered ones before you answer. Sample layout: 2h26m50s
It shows 12h02m07s
